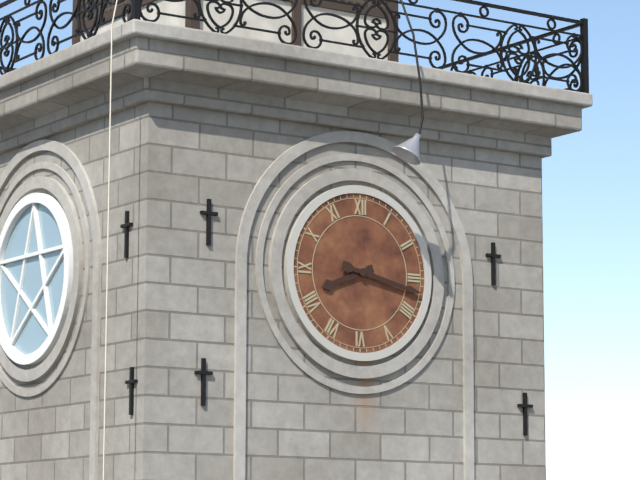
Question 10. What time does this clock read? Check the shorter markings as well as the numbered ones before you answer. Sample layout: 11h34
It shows 8h17
